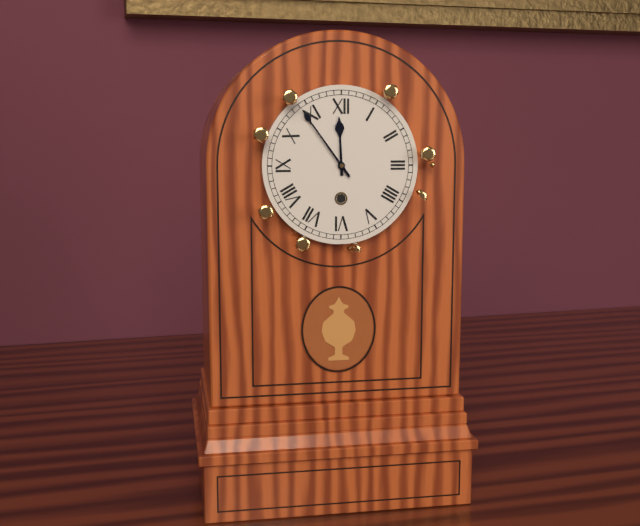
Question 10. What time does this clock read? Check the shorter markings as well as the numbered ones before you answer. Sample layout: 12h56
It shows 11h54
